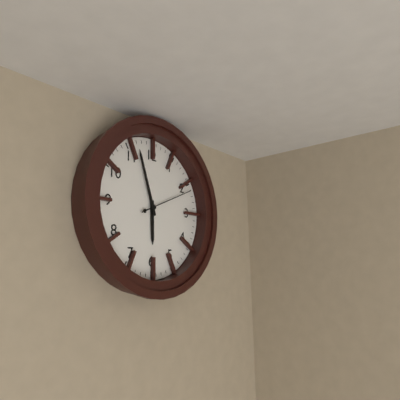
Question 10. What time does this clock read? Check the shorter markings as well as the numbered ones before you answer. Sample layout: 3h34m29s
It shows 5h57m11s
